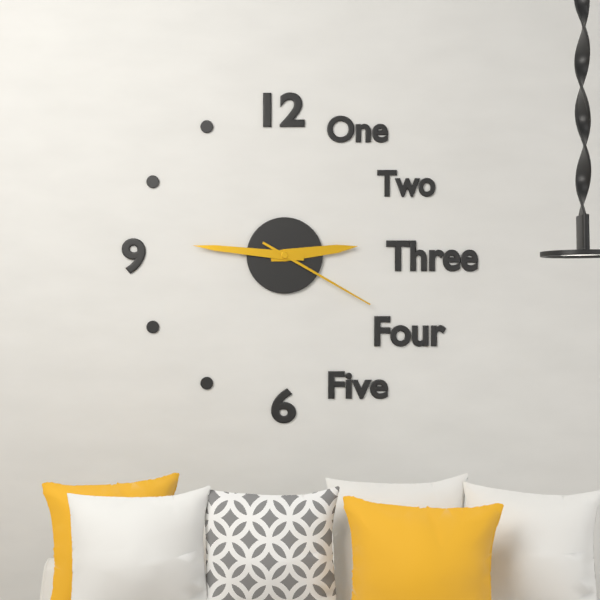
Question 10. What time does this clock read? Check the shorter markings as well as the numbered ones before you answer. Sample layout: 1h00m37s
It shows 2h46m20s
